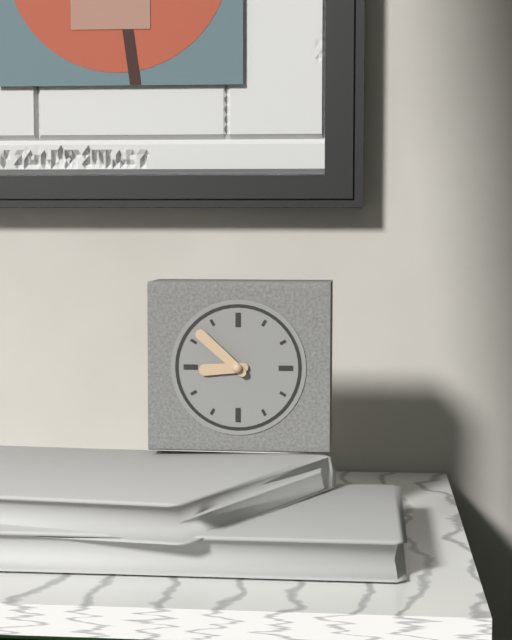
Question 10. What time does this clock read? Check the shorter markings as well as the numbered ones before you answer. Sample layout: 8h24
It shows 8h52
